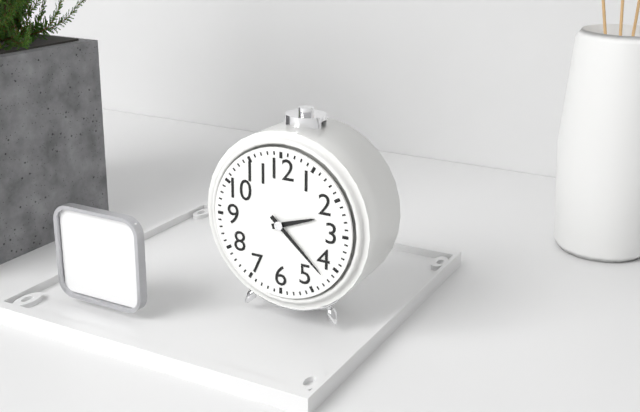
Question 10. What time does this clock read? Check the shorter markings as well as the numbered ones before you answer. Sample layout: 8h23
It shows 2h22
